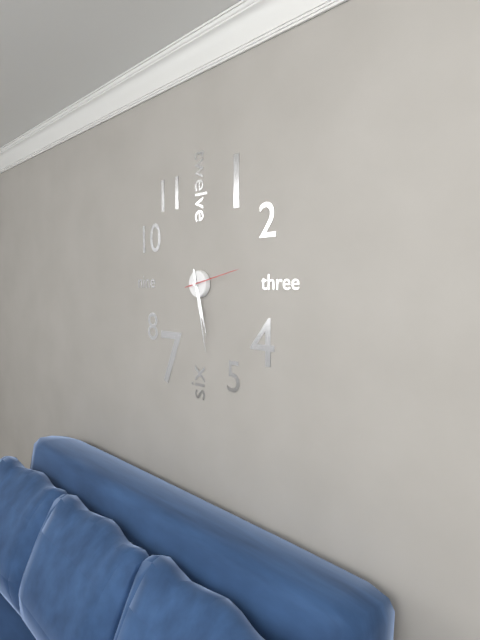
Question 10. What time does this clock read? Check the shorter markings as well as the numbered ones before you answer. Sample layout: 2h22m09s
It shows 5h28m13s
